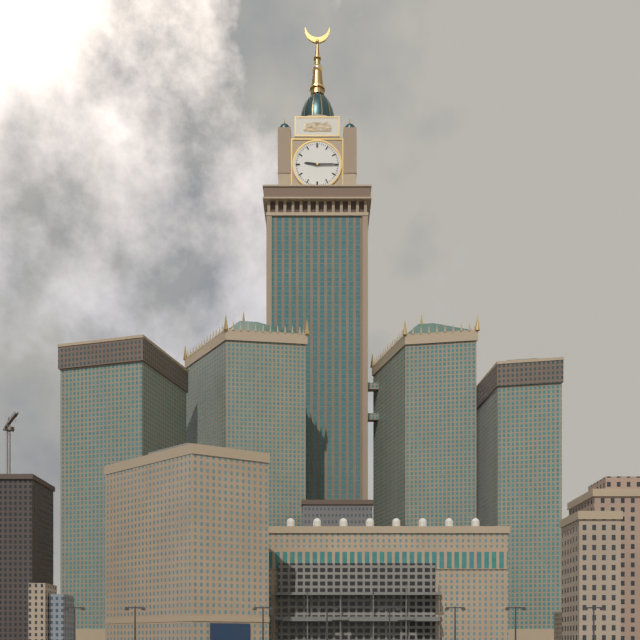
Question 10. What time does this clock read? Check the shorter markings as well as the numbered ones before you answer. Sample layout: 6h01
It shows 9h15
